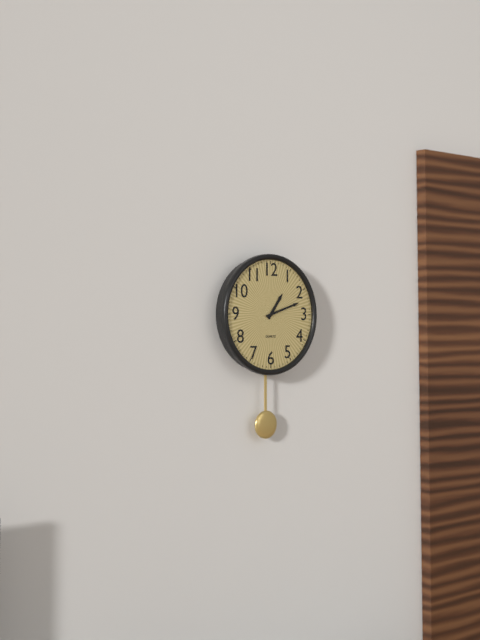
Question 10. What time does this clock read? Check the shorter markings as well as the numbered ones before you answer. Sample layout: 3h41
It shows 1h12
